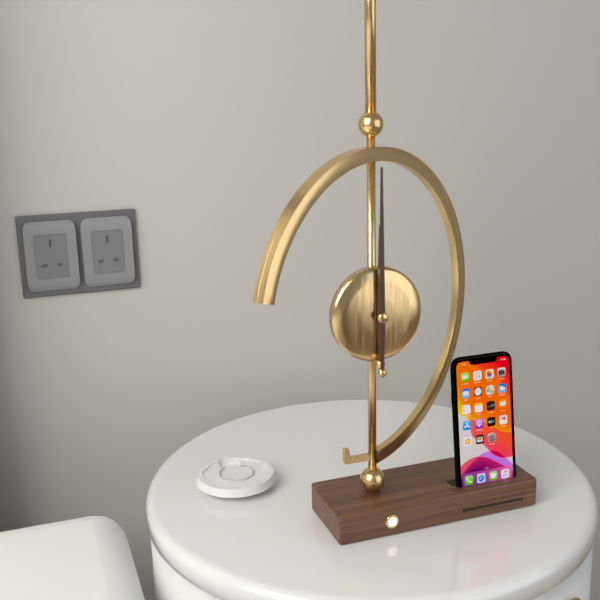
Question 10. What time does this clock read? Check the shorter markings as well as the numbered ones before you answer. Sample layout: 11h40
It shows 12h00
